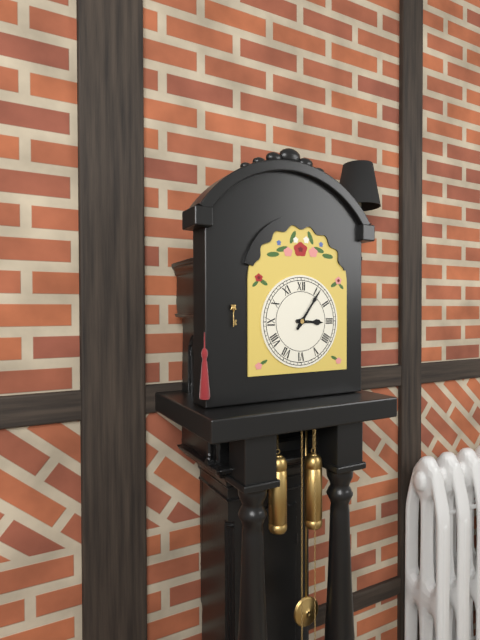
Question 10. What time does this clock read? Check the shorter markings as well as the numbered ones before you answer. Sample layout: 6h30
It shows 3h06
